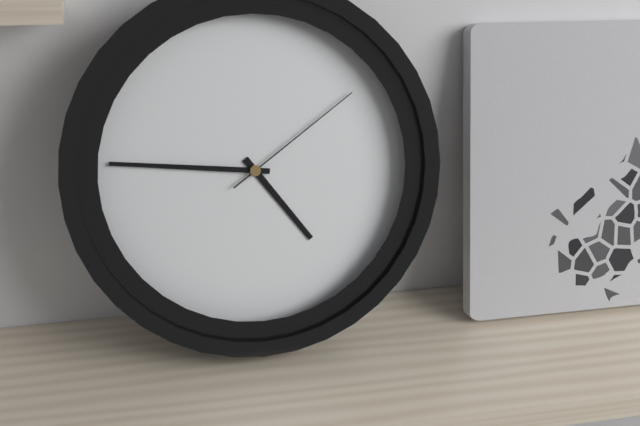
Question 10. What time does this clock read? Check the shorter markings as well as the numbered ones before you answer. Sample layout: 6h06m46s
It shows 4h46m09s
